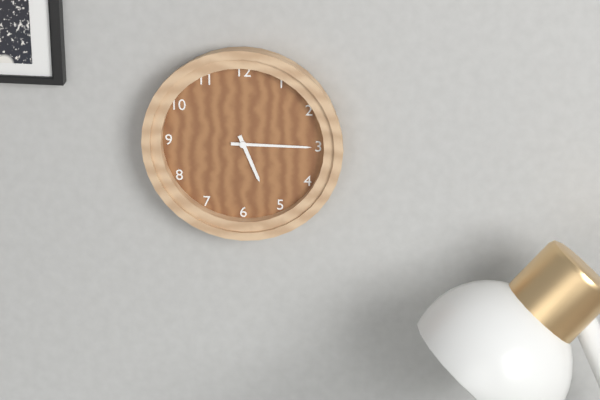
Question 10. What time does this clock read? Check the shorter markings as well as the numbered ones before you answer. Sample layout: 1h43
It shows 5h15
